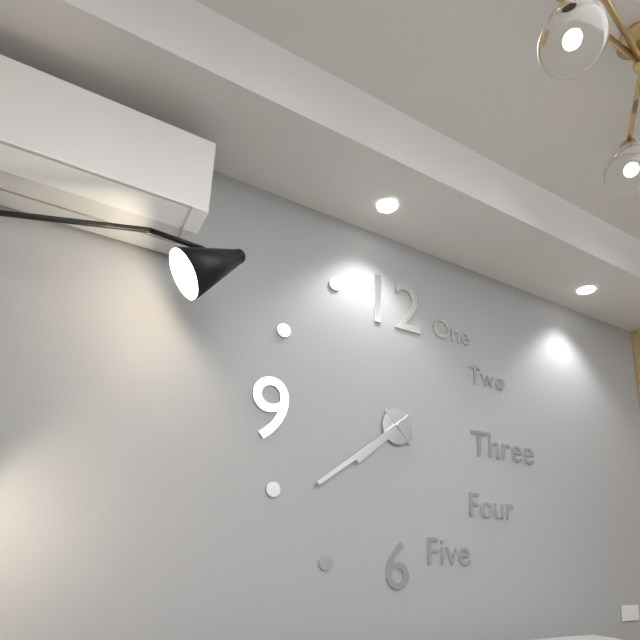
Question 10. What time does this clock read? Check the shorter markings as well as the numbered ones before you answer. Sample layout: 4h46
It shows 7h39
